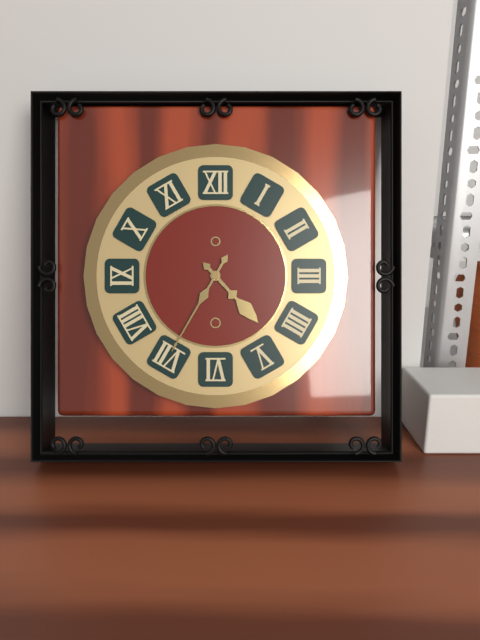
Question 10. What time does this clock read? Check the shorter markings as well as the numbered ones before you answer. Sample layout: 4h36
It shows 4h35
